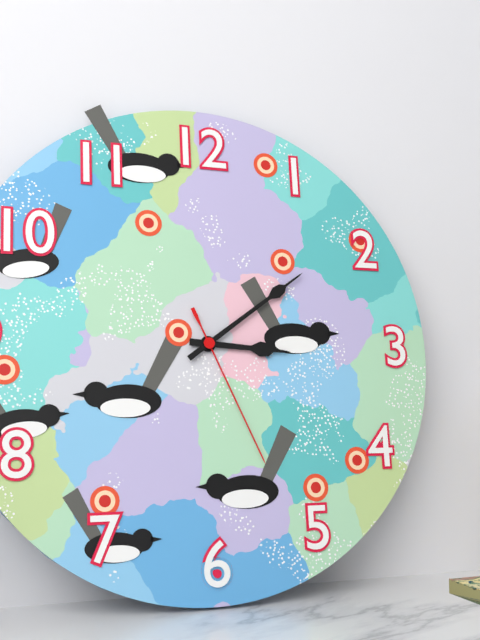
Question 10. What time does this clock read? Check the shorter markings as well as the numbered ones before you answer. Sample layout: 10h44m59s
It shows 3h09m26s
